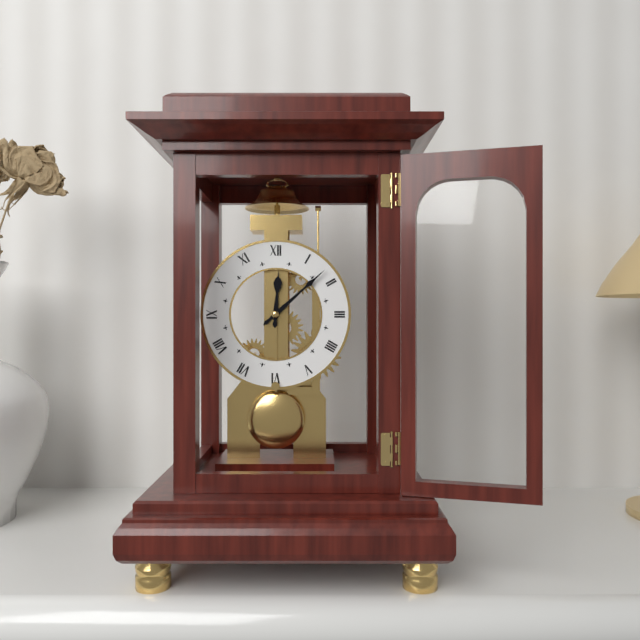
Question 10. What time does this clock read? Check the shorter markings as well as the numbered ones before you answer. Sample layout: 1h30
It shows 12h08
